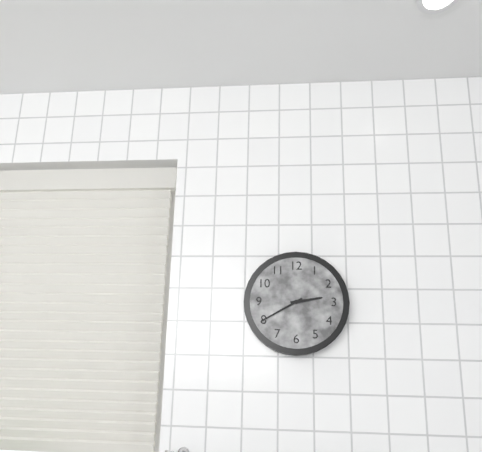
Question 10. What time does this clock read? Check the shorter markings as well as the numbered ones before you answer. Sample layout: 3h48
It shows 2h40
